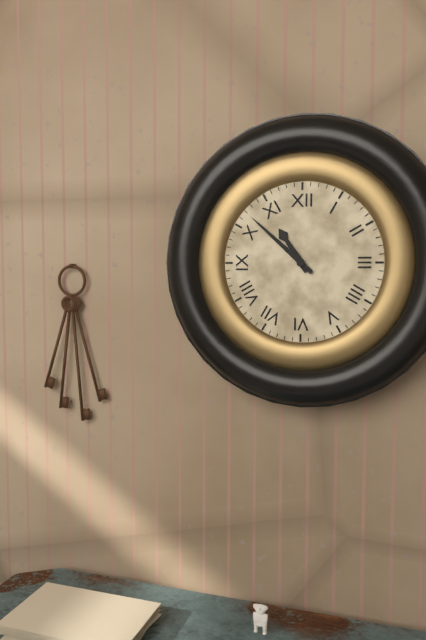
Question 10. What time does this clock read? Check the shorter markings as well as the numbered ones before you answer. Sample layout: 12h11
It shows 10h52
